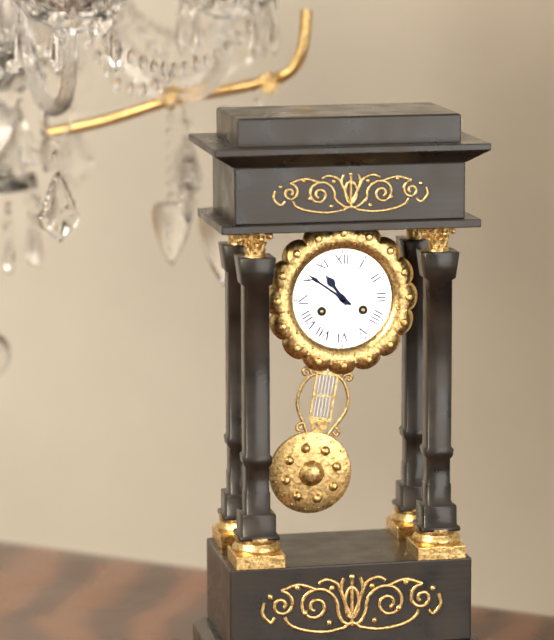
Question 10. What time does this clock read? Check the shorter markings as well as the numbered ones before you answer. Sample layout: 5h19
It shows 10h51
